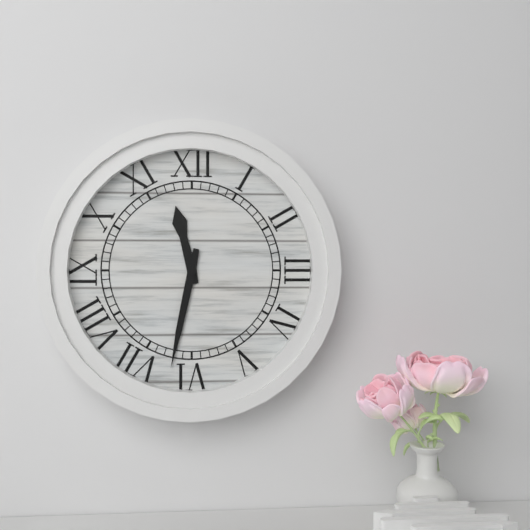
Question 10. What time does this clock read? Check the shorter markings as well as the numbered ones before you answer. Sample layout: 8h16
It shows 11h32
